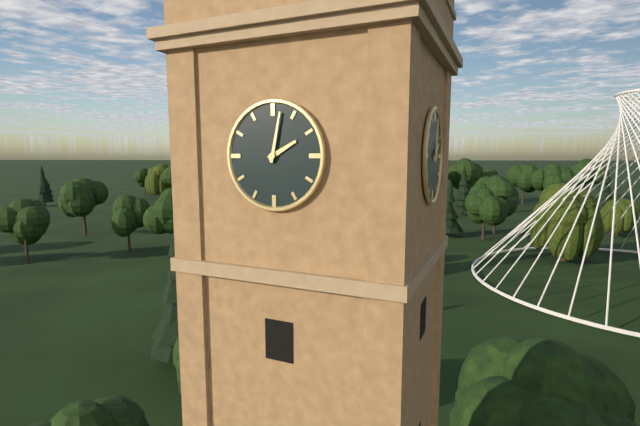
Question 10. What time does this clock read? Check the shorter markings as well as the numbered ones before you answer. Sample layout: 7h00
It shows 2h02
